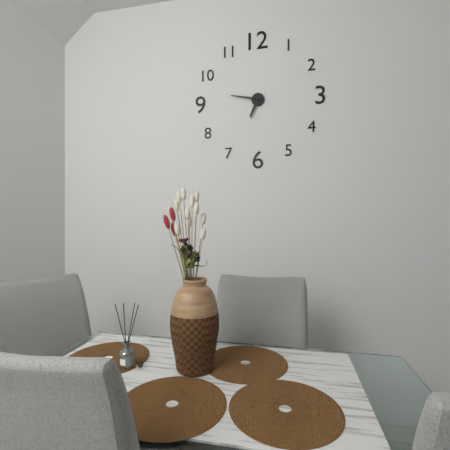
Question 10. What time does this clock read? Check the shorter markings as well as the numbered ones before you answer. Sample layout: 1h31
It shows 6h47
